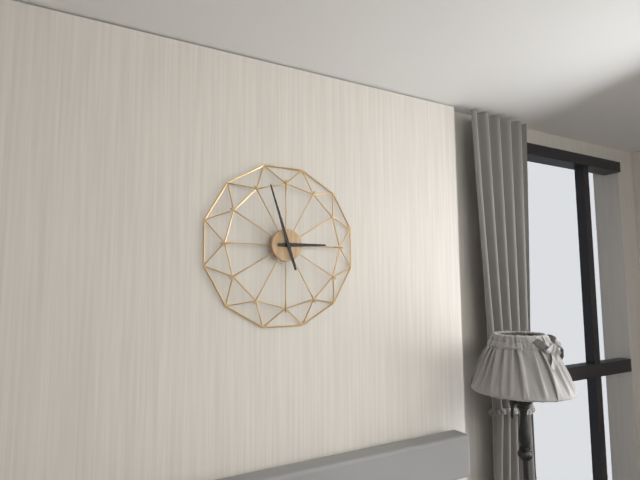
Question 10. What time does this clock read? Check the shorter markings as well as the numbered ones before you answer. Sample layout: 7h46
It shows 2h57
